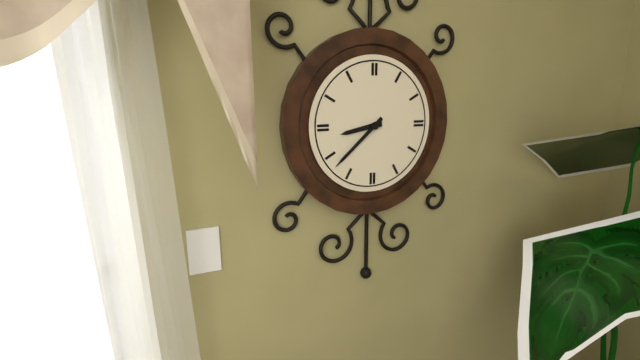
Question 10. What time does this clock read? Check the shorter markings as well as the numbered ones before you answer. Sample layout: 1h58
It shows 8h38
